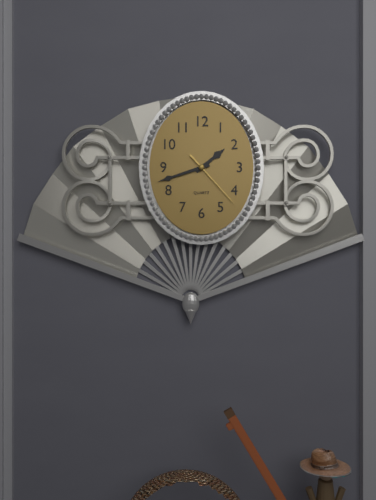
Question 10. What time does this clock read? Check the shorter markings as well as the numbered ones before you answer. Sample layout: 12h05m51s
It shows 1h42m23s
